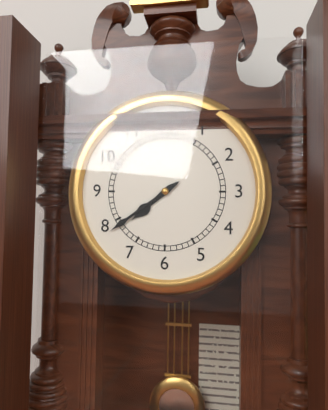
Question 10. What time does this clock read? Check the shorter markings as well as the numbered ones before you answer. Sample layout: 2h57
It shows 7h39
